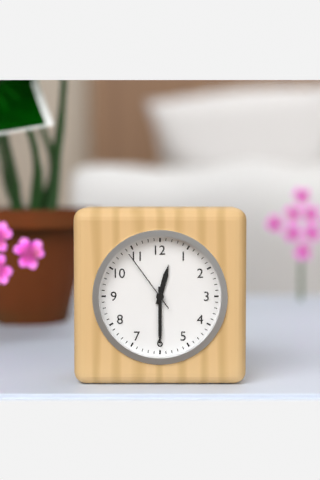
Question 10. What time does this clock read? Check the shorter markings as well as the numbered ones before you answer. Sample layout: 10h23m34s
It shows 12h30m54s
